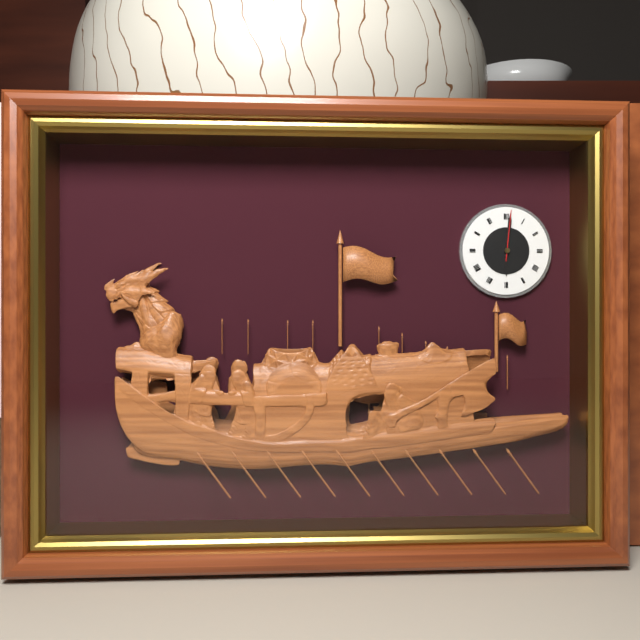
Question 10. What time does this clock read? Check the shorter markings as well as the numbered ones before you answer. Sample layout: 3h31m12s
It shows 6h01m01s
